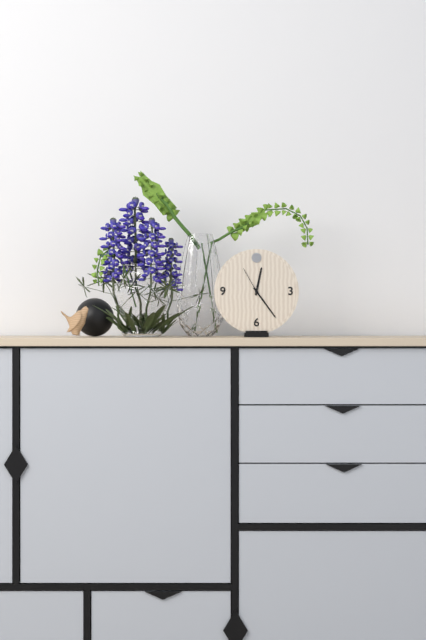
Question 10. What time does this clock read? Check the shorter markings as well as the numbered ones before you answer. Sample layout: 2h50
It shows 12h24
